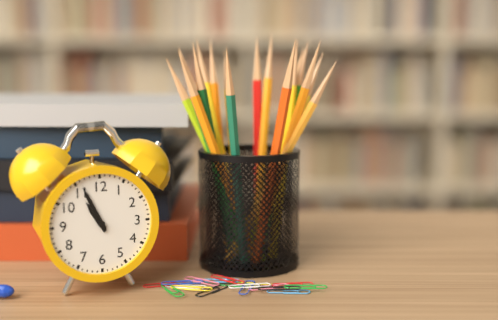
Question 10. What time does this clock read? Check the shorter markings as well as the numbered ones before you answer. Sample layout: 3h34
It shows 10h56
